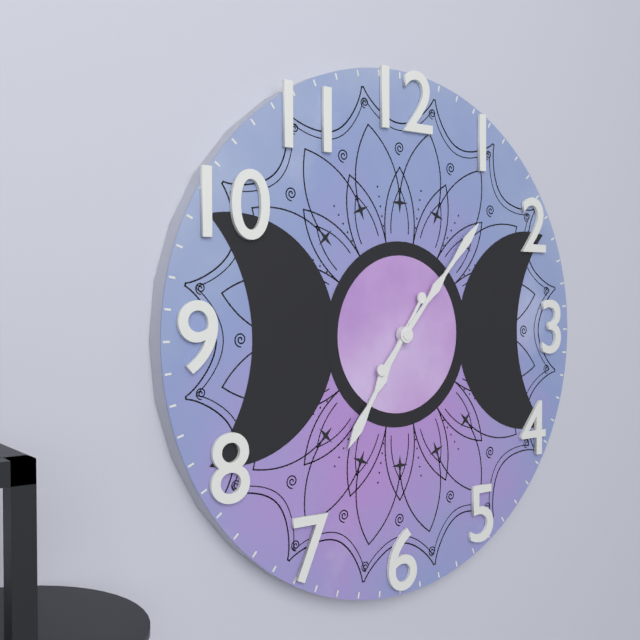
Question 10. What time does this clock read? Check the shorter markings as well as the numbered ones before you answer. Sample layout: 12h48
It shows 7h07
